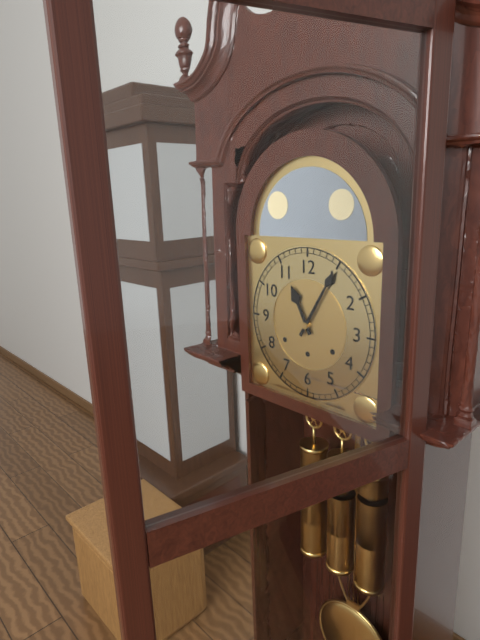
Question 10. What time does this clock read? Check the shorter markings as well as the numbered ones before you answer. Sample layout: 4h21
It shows 11h05
